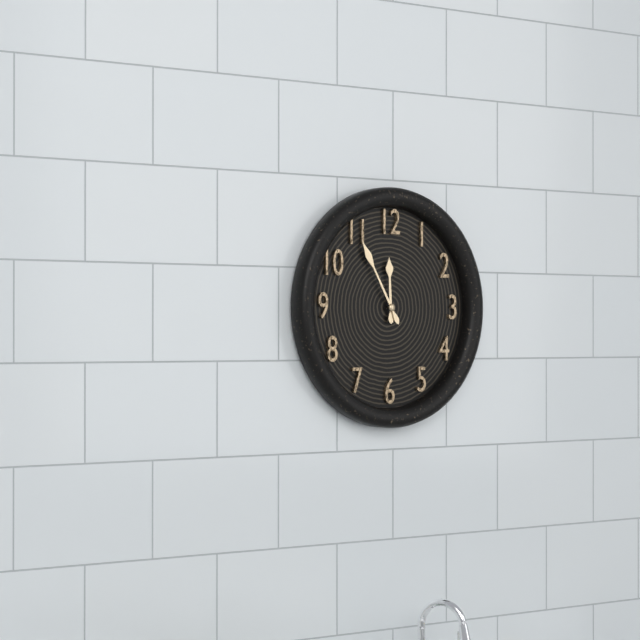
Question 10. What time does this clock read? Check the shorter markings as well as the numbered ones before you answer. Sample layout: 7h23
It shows 11h55
